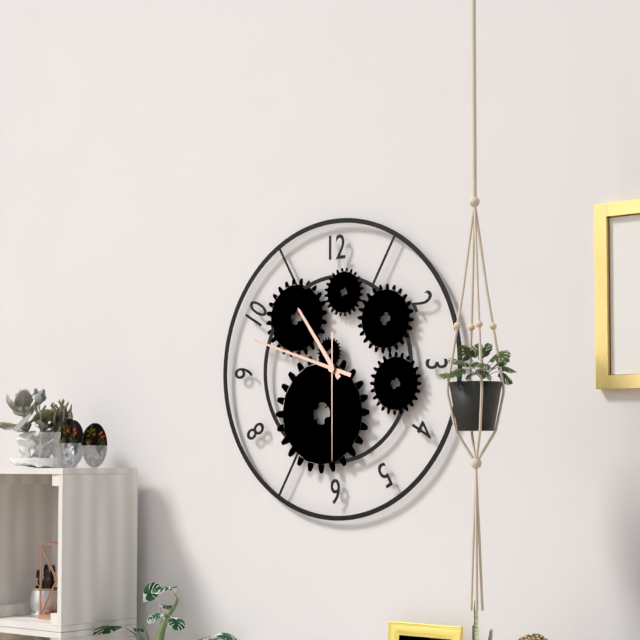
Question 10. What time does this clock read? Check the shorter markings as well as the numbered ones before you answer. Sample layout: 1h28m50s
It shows 10h48m30s
